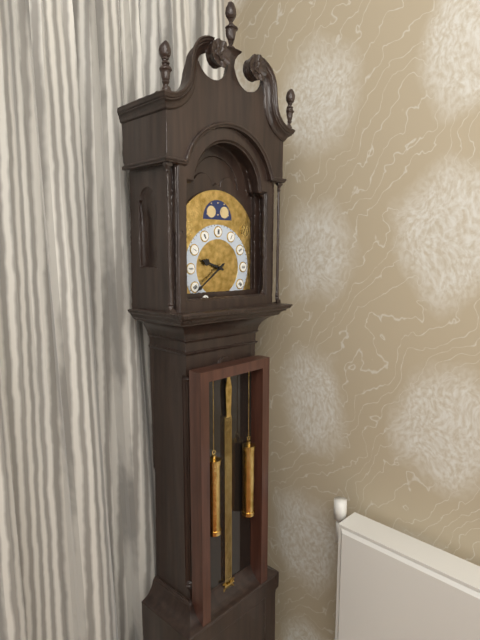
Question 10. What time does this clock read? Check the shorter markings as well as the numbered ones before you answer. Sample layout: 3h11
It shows 9h39
